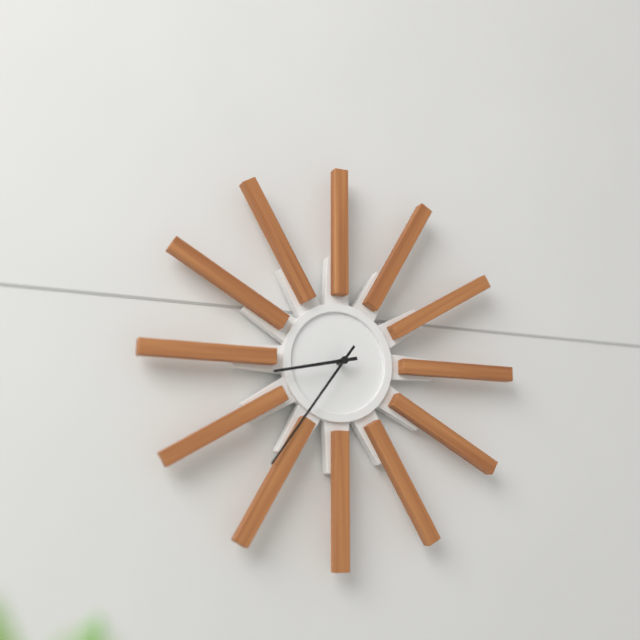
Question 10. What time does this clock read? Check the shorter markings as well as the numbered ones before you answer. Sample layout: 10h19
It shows 8h36
